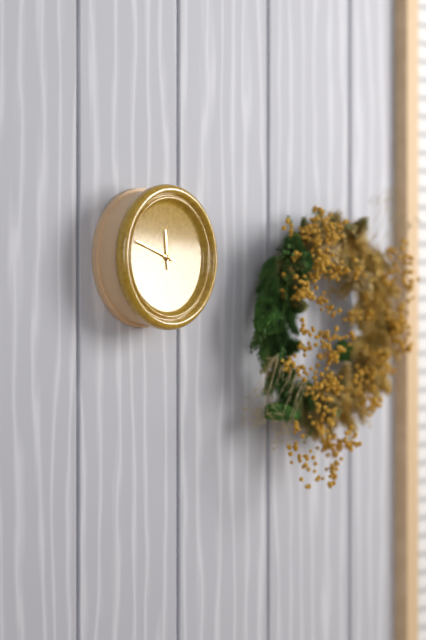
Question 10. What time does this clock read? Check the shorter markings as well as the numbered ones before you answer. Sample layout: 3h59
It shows 11h48
